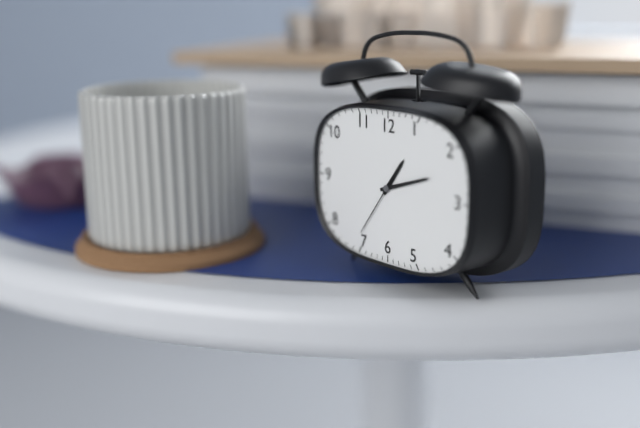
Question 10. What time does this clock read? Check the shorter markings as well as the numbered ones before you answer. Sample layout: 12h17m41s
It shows 1h12m36s
